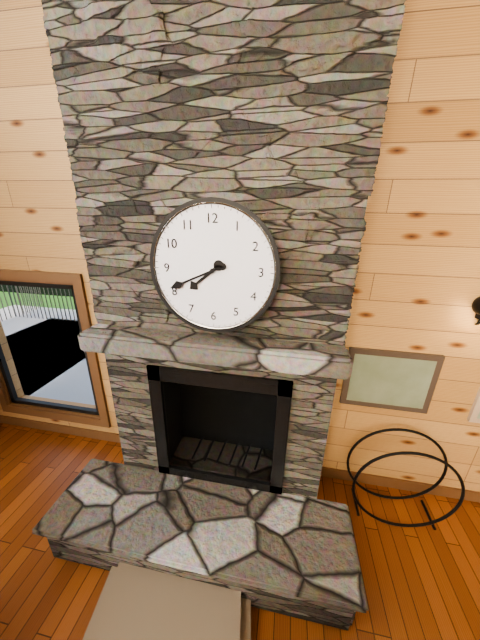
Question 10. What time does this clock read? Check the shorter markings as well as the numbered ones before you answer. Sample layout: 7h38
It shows 7h41
